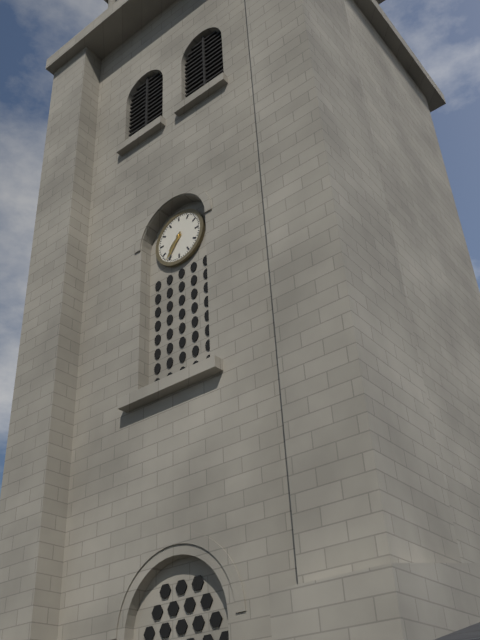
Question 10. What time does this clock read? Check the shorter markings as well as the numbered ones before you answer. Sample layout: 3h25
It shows 7h36
